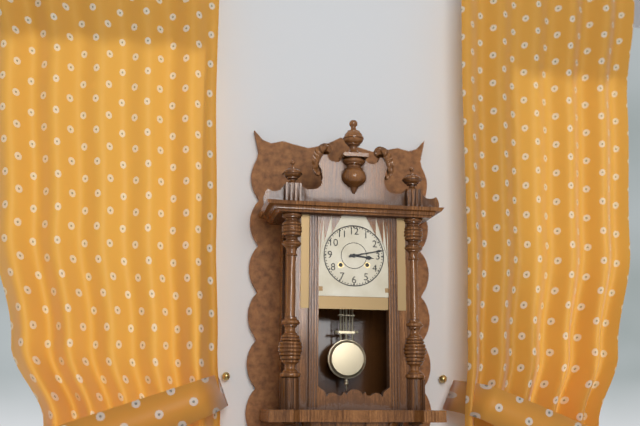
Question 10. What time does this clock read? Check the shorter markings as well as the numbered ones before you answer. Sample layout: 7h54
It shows 3h13
